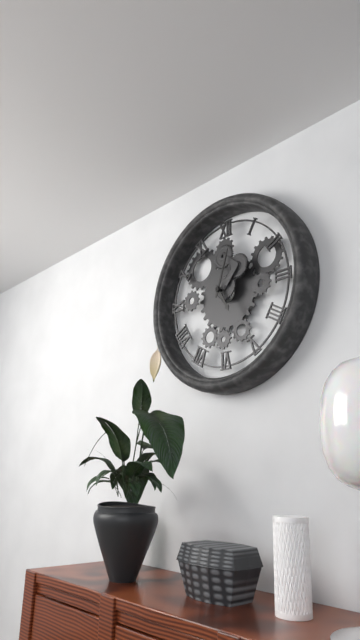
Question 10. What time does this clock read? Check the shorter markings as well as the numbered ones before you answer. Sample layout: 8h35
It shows 5h03
